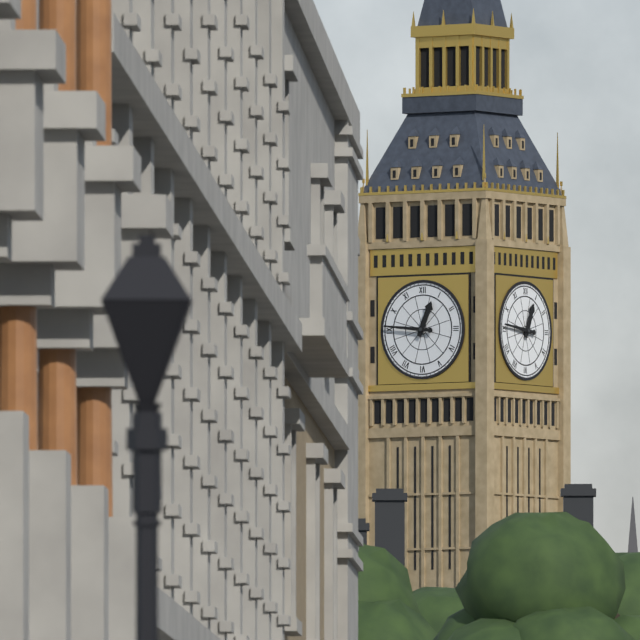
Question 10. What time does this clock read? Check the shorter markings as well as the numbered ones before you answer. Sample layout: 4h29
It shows 12h46
